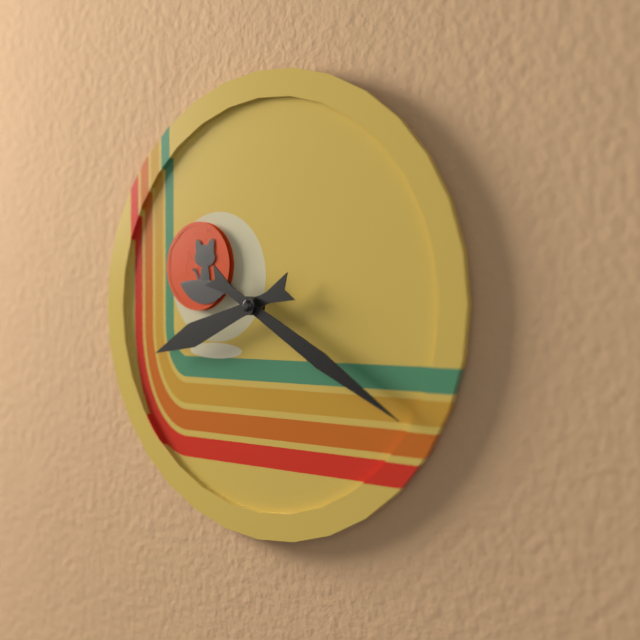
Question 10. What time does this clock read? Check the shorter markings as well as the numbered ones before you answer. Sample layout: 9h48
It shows 8h20
